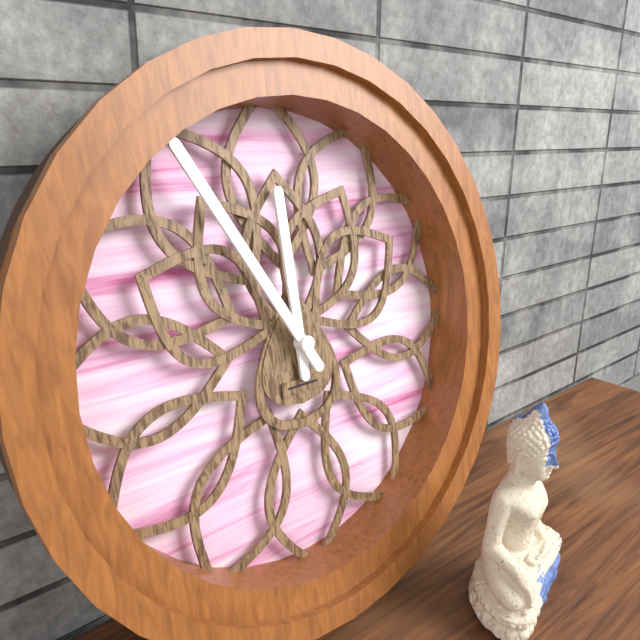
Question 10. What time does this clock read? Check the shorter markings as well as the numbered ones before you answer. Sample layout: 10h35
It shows 11h55
